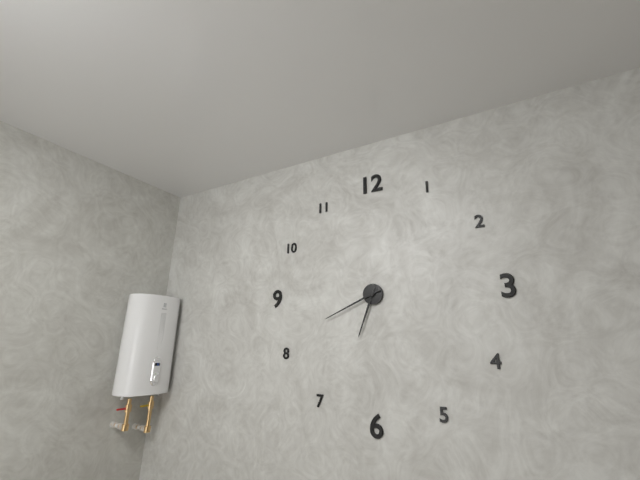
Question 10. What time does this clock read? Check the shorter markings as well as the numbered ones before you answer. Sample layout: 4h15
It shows 6h41
